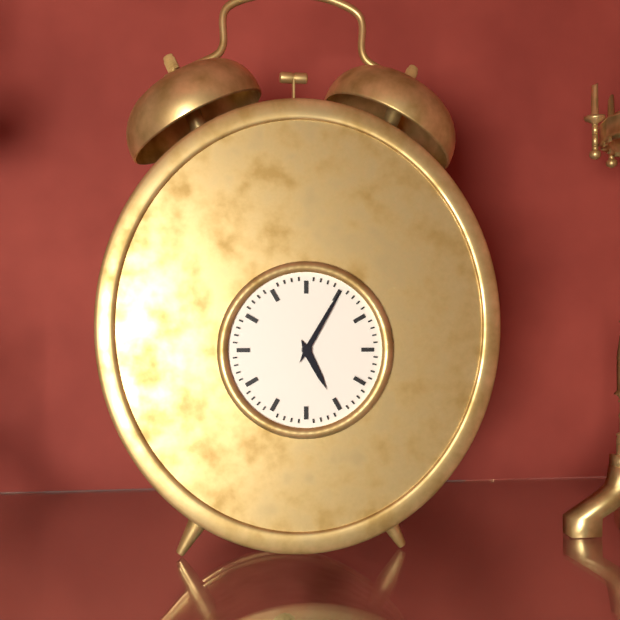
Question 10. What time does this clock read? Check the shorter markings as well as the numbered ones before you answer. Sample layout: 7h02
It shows 5h05
